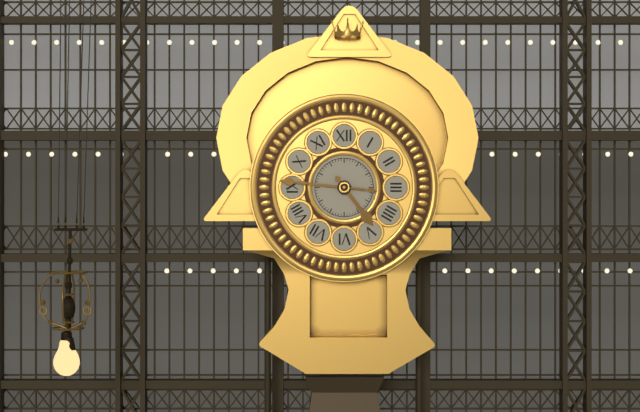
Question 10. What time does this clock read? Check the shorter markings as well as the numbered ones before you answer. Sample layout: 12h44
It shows 4h46
